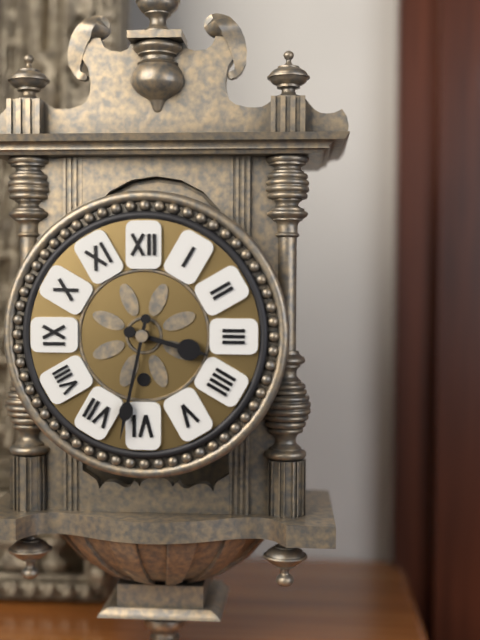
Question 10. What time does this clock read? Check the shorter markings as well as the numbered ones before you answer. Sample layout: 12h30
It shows 3h32
